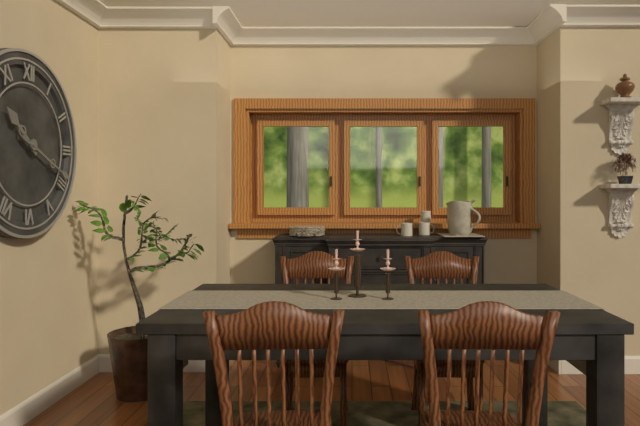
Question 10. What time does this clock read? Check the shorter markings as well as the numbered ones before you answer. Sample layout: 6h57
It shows 10h19
